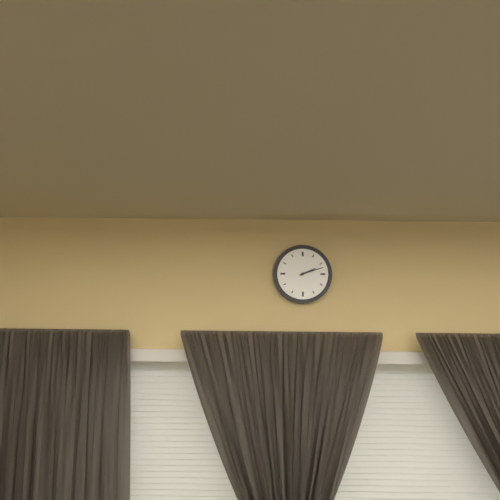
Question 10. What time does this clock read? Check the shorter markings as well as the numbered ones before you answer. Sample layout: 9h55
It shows 2h12
